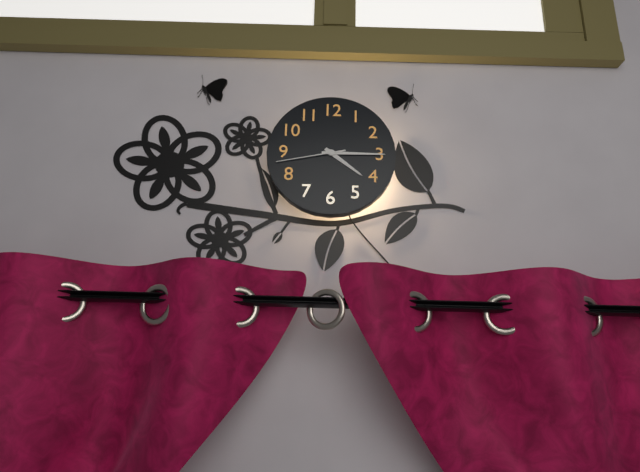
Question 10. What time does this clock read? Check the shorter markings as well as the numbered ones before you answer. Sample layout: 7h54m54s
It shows 4h15m43s
